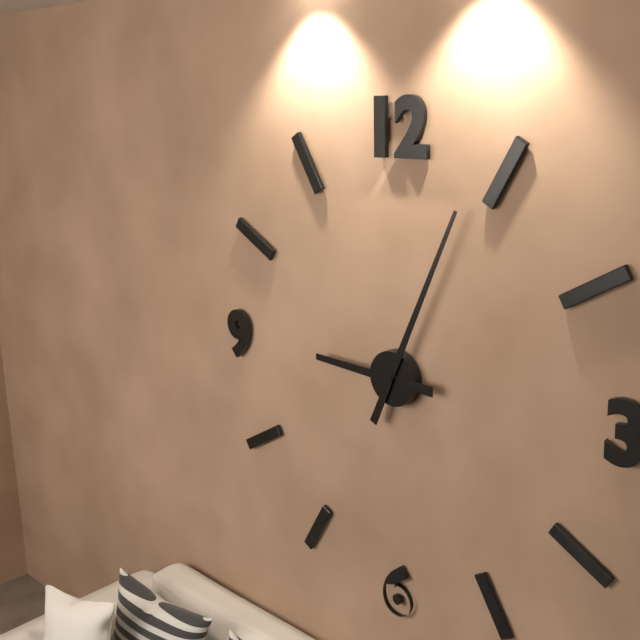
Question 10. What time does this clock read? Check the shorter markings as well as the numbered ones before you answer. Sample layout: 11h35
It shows 9h04
